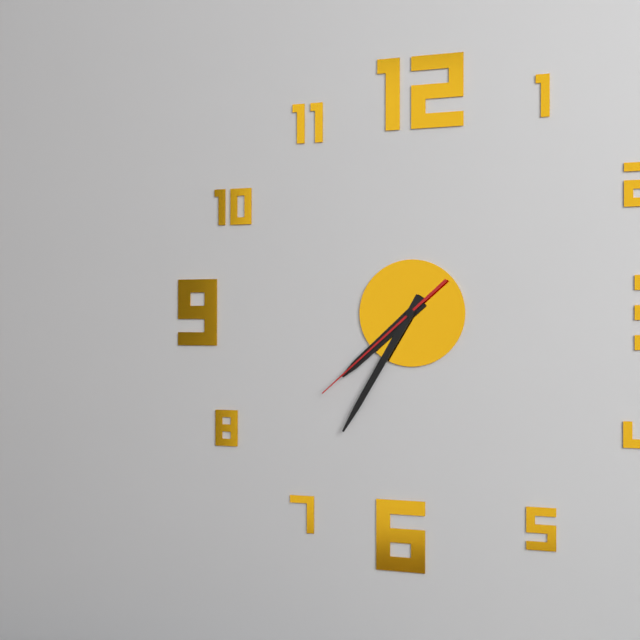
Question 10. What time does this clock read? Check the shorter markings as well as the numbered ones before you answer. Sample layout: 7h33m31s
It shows 7h35m38s
